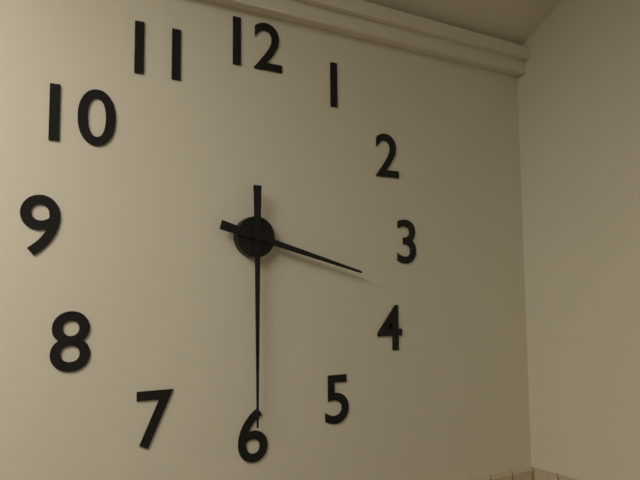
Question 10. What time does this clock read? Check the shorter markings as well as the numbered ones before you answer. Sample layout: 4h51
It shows 3h30
